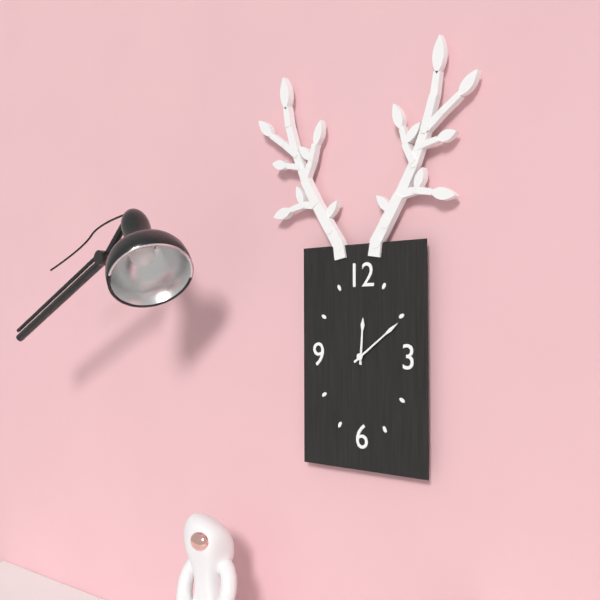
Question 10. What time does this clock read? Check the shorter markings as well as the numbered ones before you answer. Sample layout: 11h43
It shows 12h09
